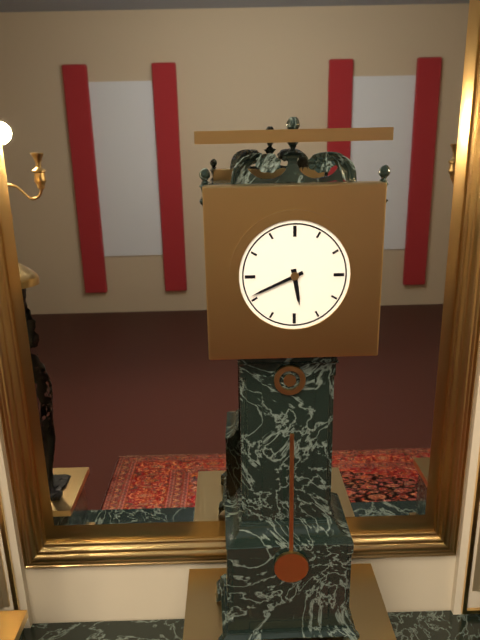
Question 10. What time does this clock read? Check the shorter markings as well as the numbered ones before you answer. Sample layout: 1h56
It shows 5h41
